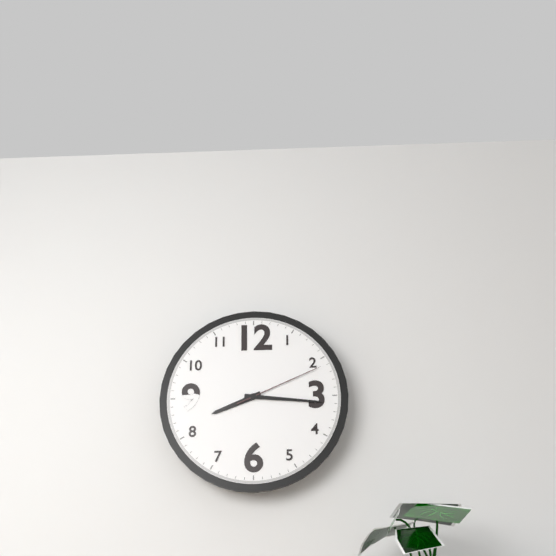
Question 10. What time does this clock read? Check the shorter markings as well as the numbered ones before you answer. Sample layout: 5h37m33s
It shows 8h16m11s
